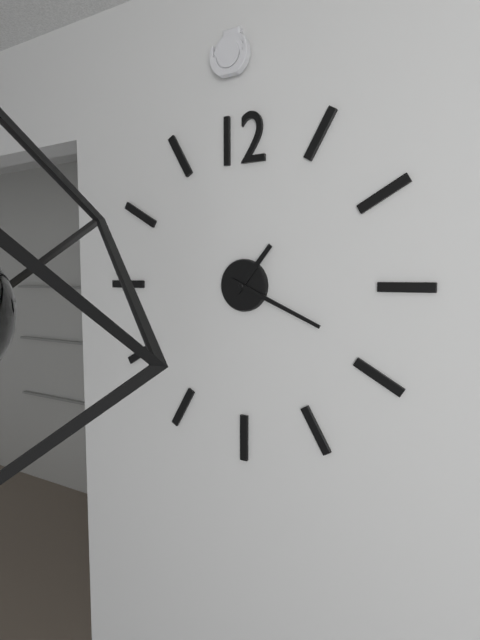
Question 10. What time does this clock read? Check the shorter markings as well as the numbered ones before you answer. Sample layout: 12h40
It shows 1h19
